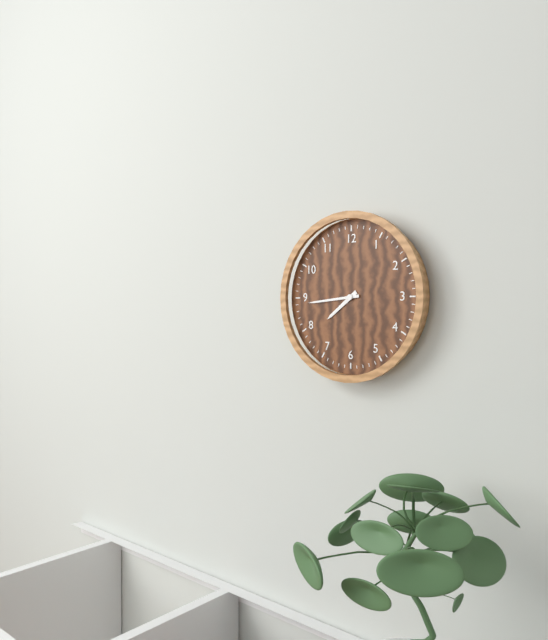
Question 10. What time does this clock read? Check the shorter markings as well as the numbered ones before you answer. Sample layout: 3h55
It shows 7h44
